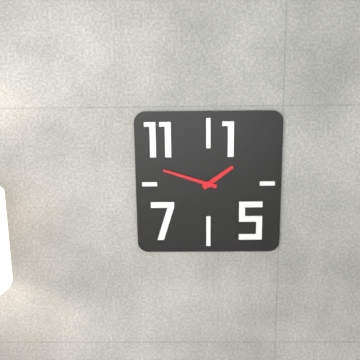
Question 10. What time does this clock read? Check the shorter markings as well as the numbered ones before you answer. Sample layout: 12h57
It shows 1h48
